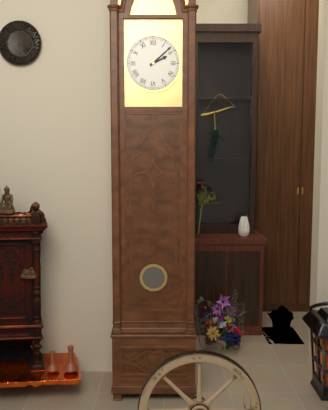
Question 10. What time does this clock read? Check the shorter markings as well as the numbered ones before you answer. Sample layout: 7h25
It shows 2h08
